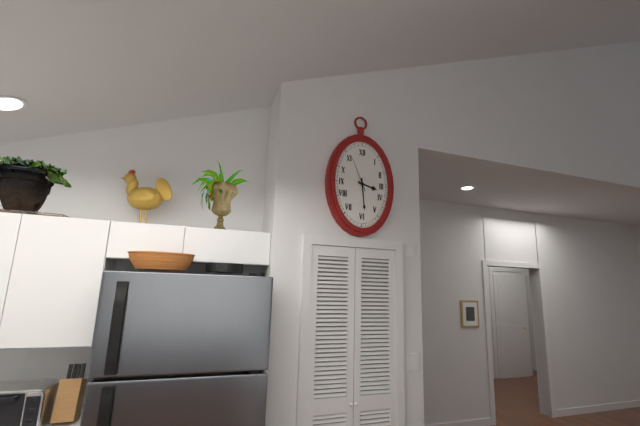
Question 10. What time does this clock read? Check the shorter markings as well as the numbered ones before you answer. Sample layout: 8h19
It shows 3h29
